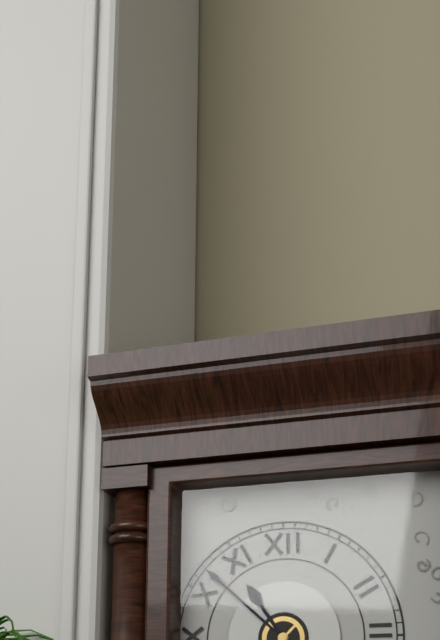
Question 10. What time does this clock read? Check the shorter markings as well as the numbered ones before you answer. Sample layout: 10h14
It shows 10h52
